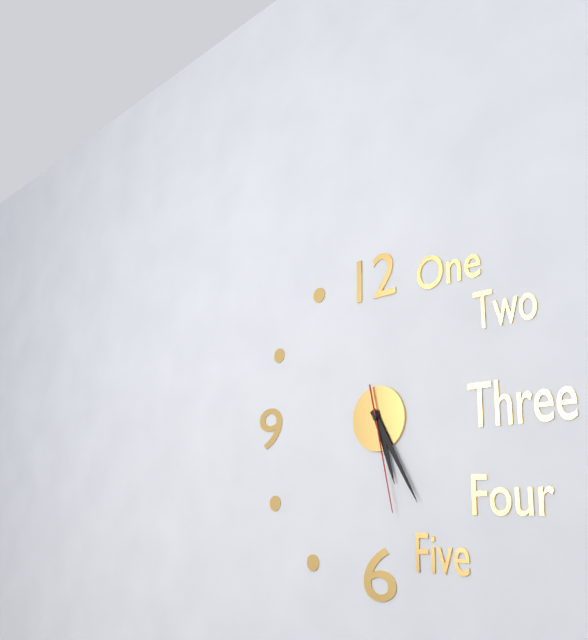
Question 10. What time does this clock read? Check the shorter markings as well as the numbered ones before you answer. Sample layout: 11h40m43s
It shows 5h25m28s
